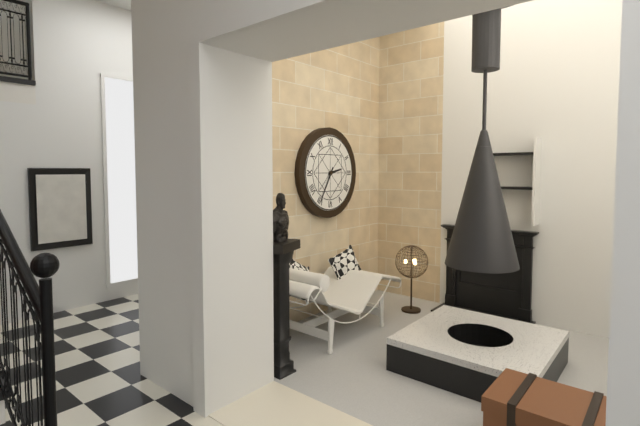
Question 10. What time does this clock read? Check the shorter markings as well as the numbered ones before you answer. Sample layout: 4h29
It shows 2h35
